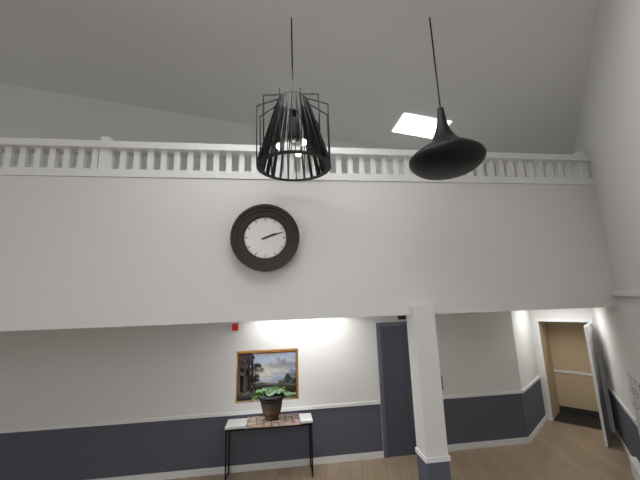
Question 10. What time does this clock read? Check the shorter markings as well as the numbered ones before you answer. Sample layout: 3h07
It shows 2h12
